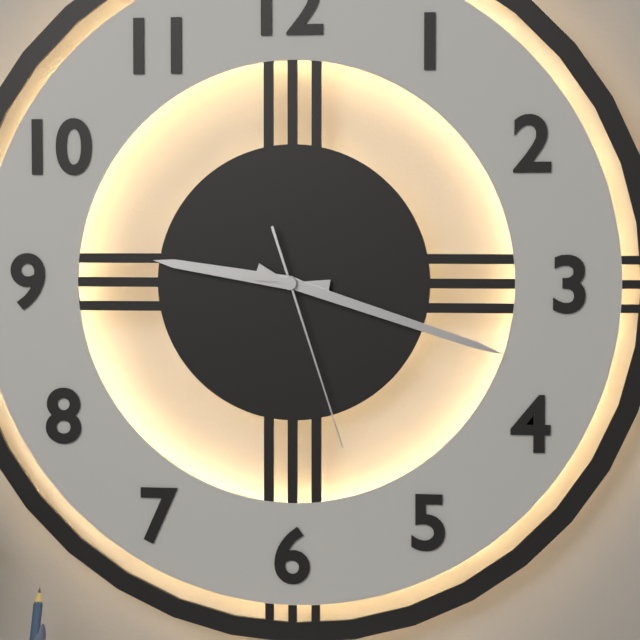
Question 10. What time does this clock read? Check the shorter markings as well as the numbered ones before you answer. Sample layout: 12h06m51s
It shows 9h18m27s
